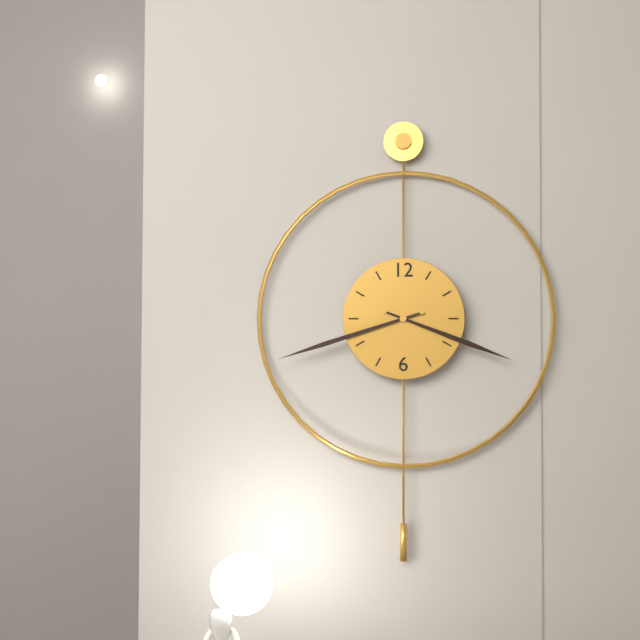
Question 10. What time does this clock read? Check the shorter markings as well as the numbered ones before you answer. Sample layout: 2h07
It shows 3h42
